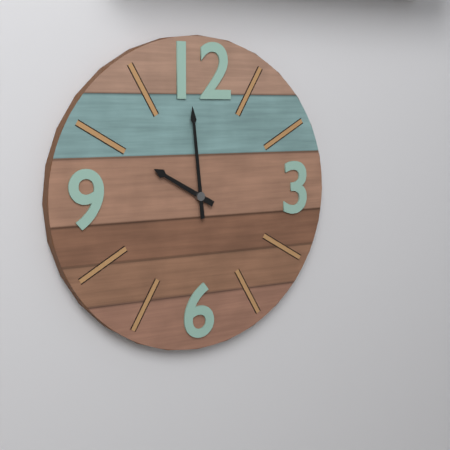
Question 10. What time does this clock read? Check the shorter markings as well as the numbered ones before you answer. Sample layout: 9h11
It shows 9h59
